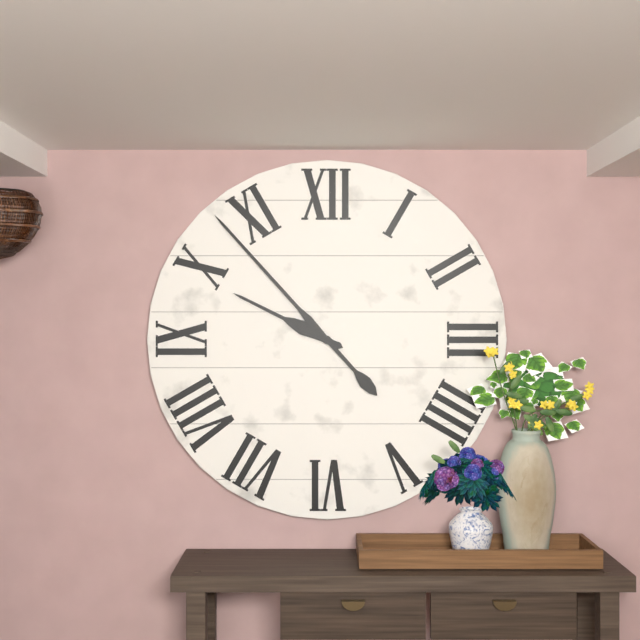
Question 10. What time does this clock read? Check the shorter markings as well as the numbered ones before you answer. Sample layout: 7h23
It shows 9h53
